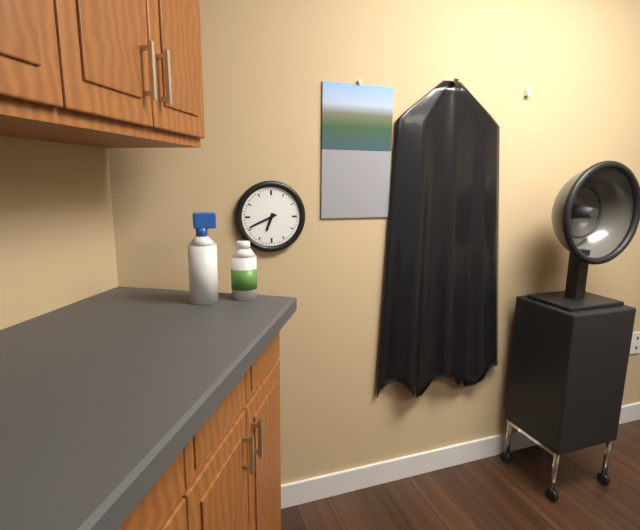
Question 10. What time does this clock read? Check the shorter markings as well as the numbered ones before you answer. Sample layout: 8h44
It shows 6h41
